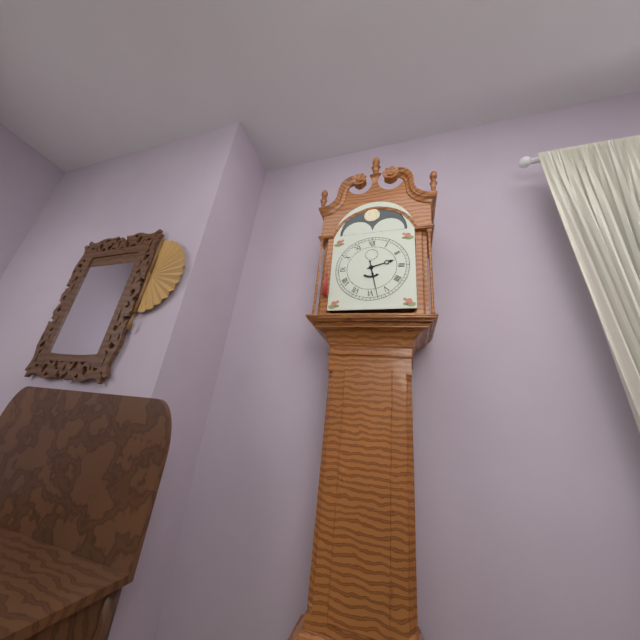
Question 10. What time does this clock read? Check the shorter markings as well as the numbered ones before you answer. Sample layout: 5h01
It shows 2h28
